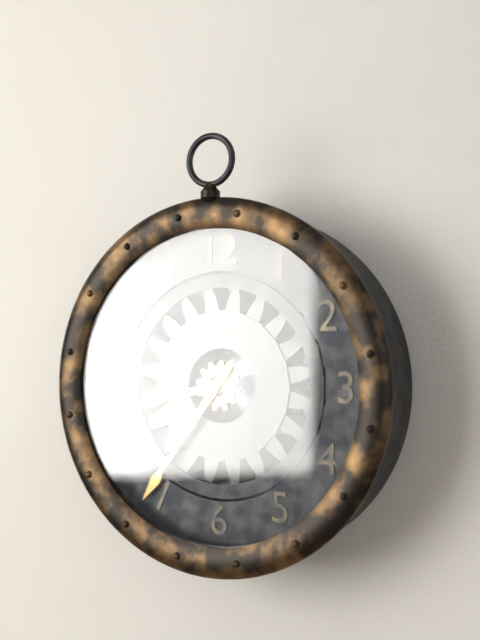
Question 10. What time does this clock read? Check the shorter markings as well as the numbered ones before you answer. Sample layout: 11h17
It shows 8h36
